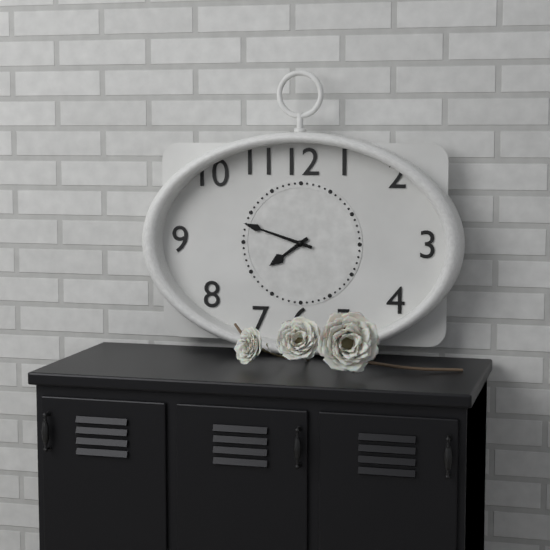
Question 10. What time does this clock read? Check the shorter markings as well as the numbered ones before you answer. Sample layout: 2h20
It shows 7h48
